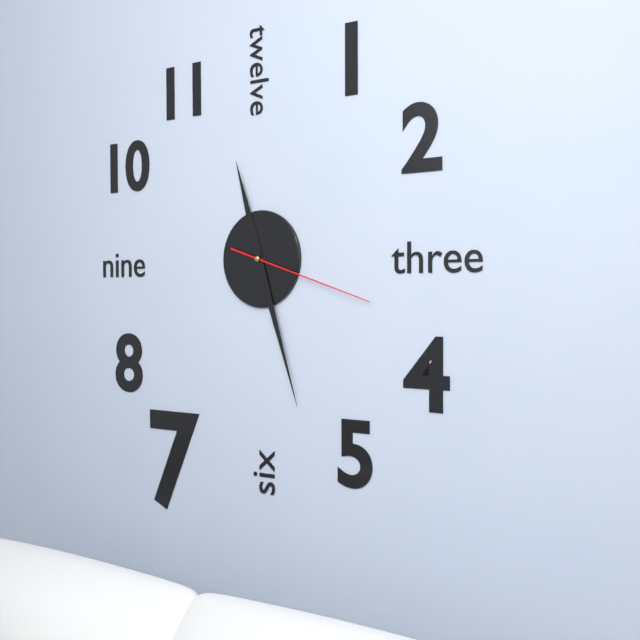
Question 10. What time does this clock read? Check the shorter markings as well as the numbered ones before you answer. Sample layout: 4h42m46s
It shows 11h27m18s
